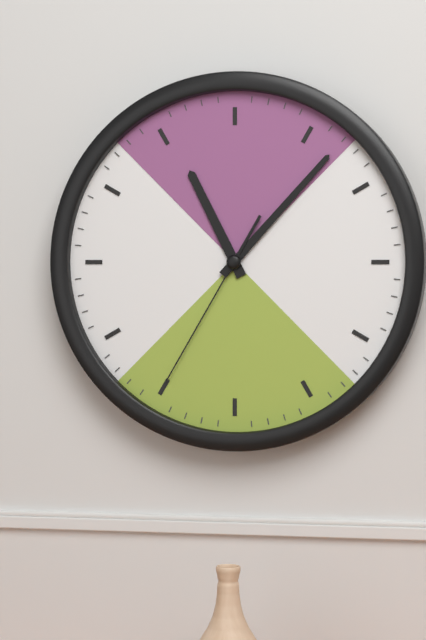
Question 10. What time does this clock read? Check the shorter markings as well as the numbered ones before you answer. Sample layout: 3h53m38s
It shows 11h07m35s
